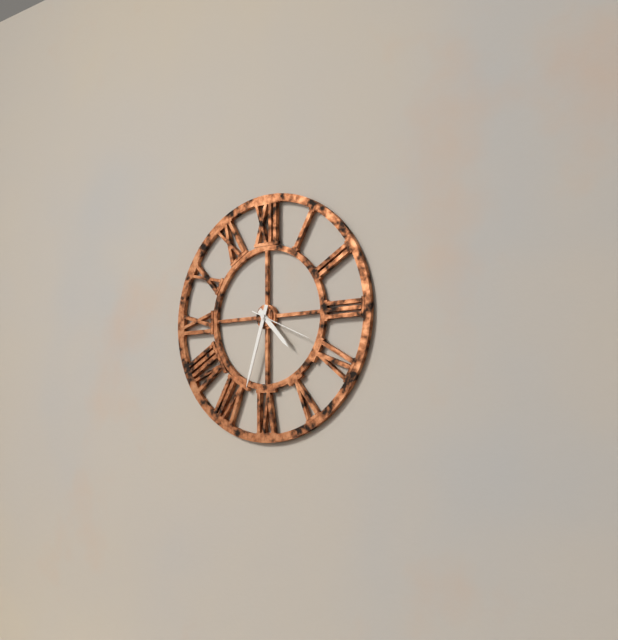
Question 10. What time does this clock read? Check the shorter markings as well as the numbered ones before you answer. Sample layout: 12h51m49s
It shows 4h33m19s
